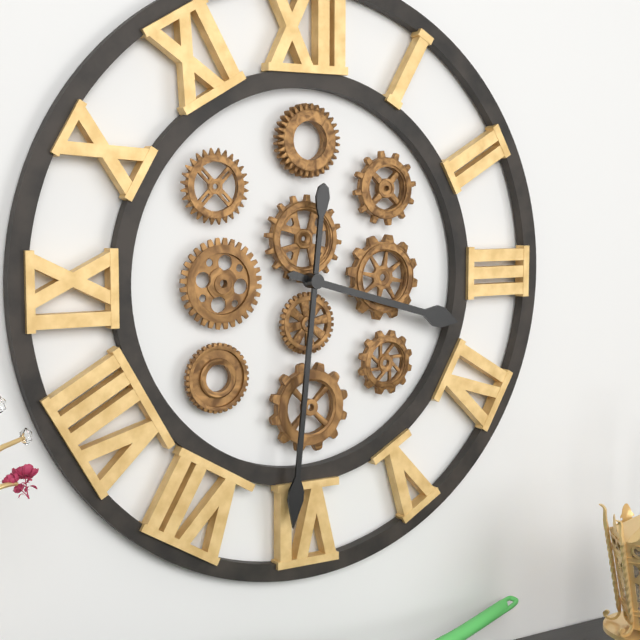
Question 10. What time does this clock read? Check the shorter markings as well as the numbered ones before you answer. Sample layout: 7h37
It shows 3h31
